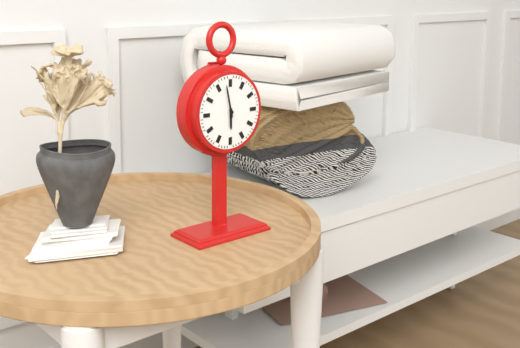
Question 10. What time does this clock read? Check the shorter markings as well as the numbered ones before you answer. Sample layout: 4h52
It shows 5h58
